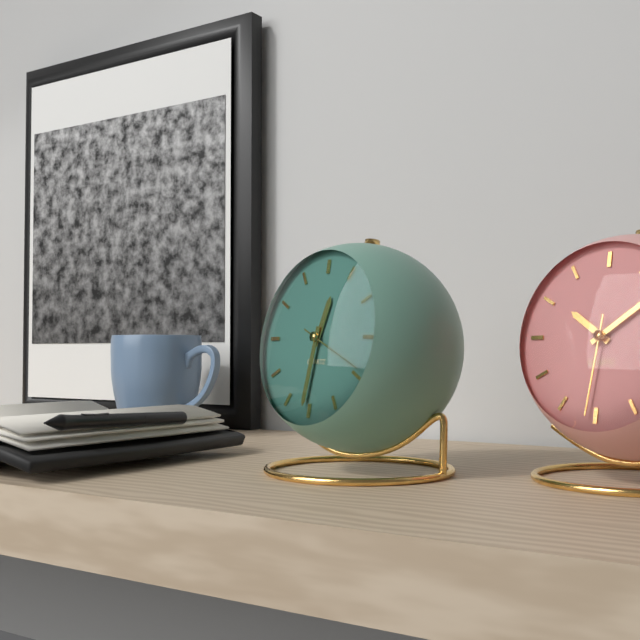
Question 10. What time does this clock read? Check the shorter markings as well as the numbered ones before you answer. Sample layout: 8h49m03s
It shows 12h31m19s
